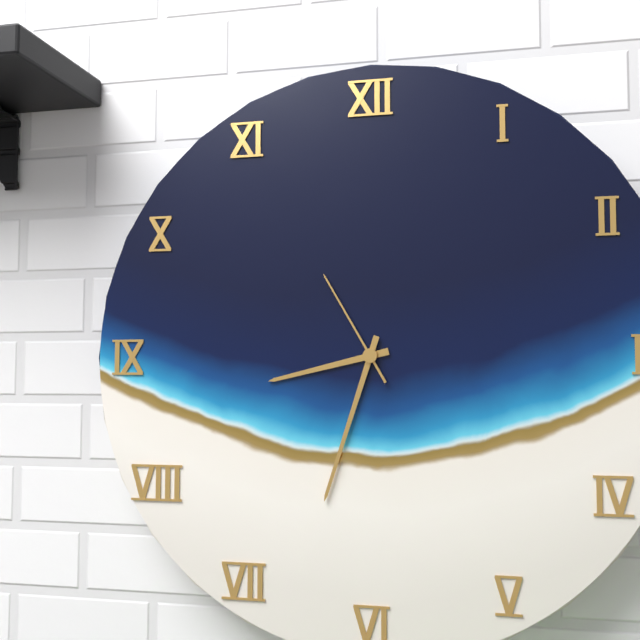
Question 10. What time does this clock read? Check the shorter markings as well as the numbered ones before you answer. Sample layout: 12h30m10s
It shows 8h33m55s
